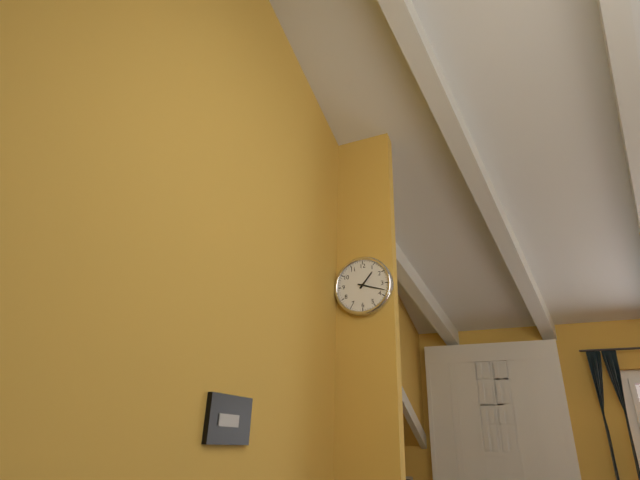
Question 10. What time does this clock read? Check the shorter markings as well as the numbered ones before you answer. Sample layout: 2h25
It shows 1h18
